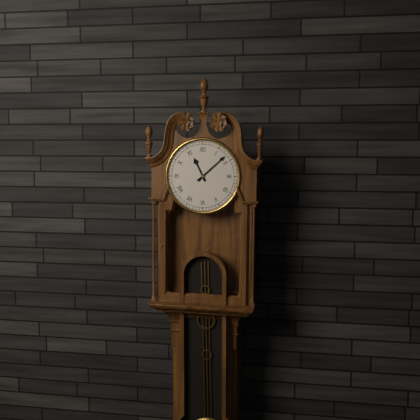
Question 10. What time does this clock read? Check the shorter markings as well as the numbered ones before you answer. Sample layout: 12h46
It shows 11h08
